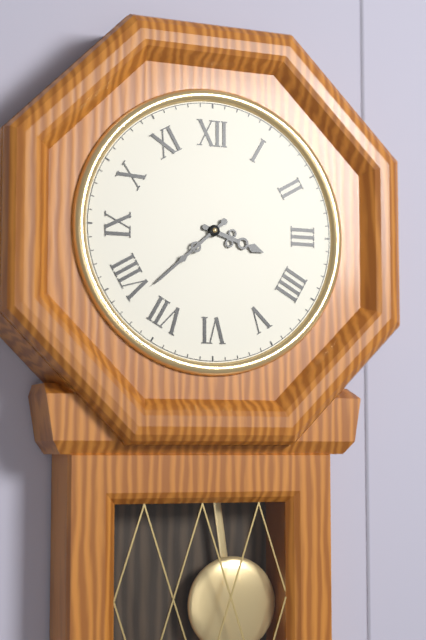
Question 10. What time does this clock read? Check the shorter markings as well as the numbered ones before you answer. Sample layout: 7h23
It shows 3h38
